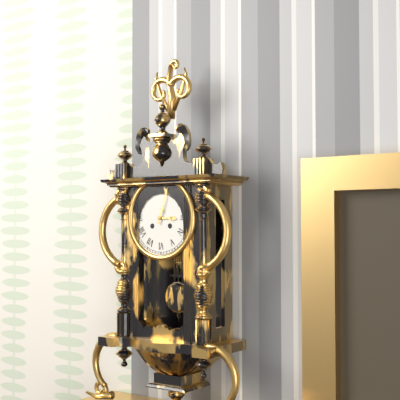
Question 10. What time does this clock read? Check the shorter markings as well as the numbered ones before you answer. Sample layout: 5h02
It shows 3h03
